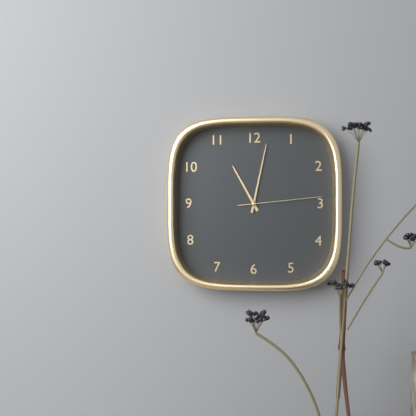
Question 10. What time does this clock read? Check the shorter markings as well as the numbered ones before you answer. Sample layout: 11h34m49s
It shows 11h02m14s
